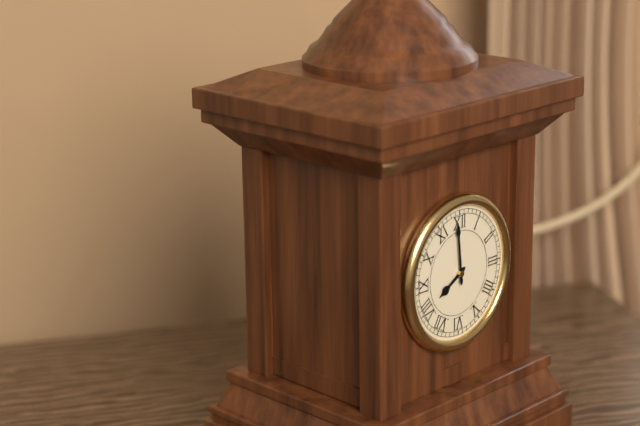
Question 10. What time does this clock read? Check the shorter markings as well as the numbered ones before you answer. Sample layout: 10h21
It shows 7h59
